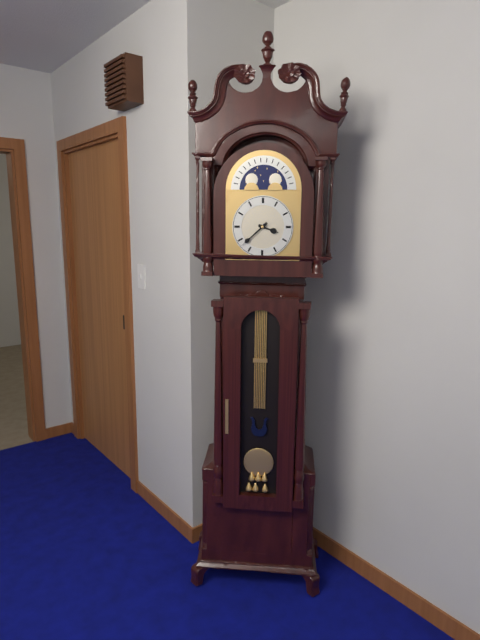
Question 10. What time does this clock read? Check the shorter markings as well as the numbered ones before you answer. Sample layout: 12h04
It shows 3h38
